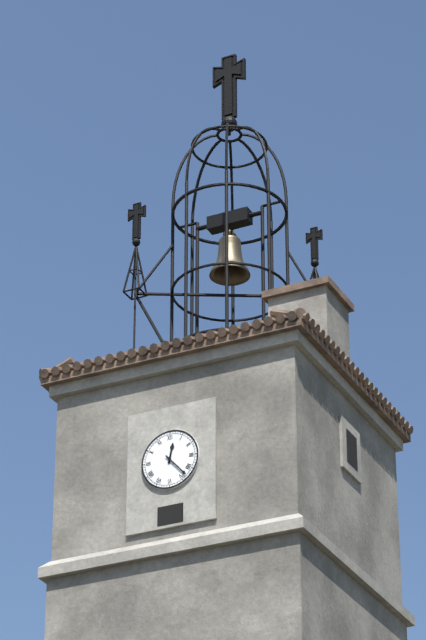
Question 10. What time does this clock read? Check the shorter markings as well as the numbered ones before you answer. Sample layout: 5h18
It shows 12h23
